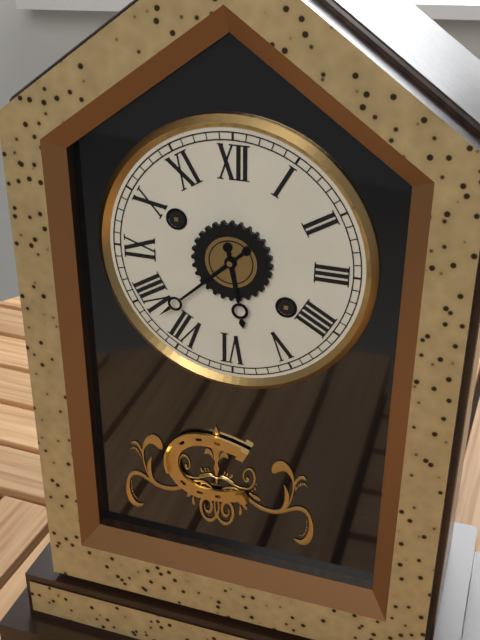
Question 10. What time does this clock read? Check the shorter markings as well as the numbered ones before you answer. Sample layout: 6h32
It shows 5h38
